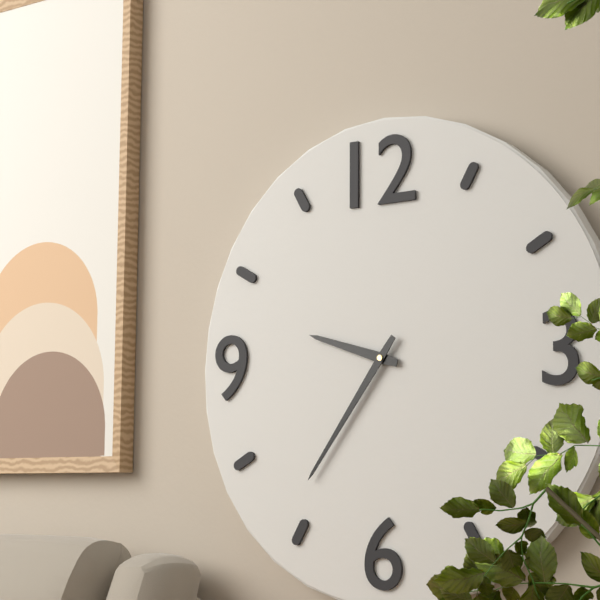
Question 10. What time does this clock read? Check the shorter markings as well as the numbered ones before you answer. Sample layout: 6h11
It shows 9h36
